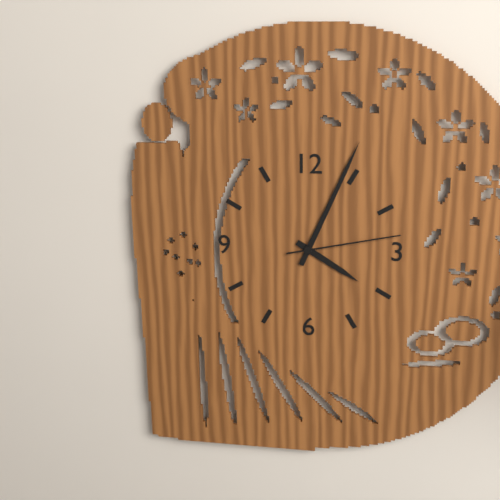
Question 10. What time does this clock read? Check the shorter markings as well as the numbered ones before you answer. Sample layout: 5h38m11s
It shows 4h04m13s
